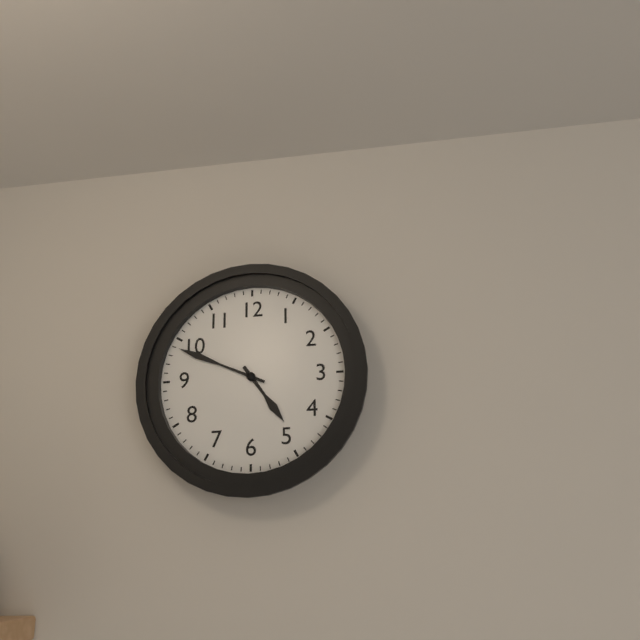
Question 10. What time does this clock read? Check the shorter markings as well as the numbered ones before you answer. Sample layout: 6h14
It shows 4h49
